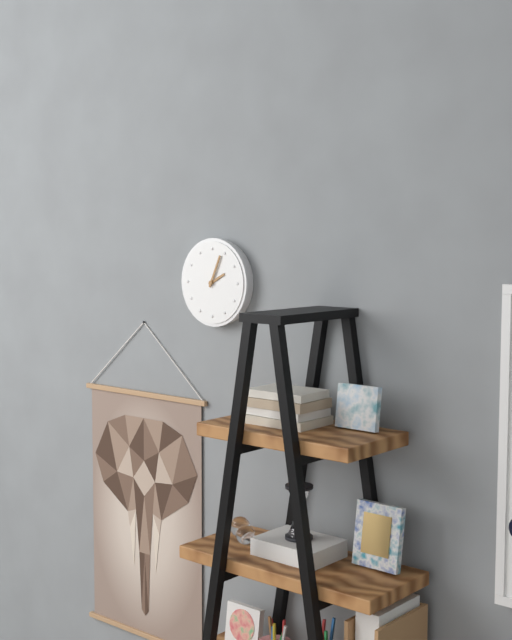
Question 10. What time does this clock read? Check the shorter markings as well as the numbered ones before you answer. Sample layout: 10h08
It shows 2h04
